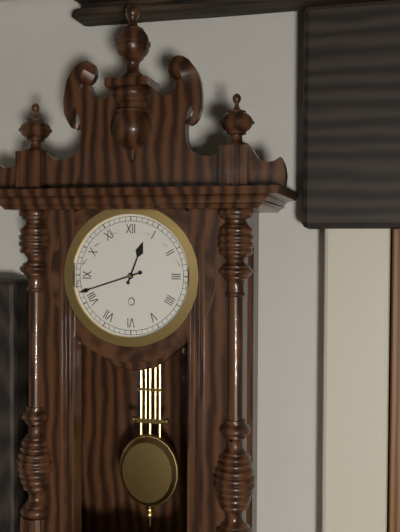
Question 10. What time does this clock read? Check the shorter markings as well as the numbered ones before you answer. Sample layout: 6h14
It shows 12h42
